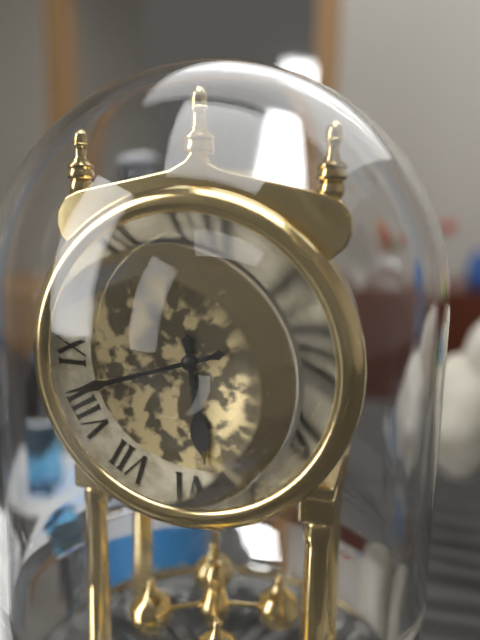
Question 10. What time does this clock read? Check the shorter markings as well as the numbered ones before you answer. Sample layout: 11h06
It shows 5h42
